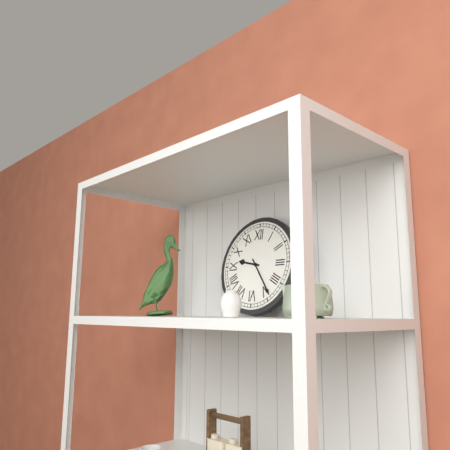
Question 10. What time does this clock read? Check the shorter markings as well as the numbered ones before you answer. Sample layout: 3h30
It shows 9h24
